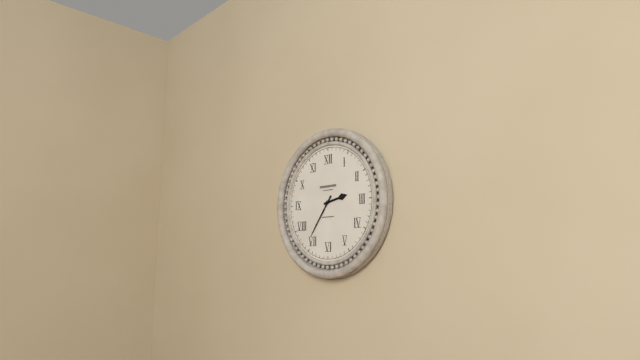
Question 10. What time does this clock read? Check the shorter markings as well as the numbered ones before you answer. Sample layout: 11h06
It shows 2h36
